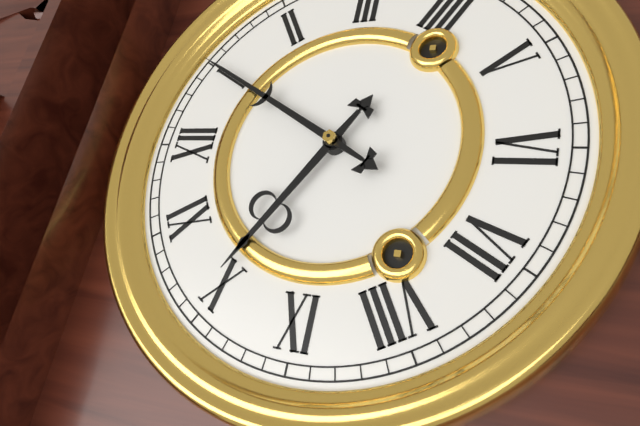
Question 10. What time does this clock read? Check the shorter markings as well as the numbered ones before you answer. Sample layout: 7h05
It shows 10h05
